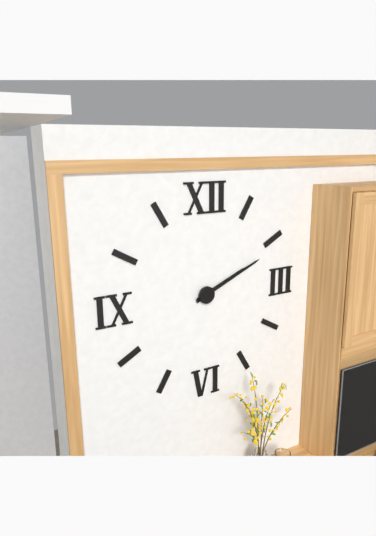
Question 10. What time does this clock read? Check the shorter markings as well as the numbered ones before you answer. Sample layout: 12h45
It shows 2h11
